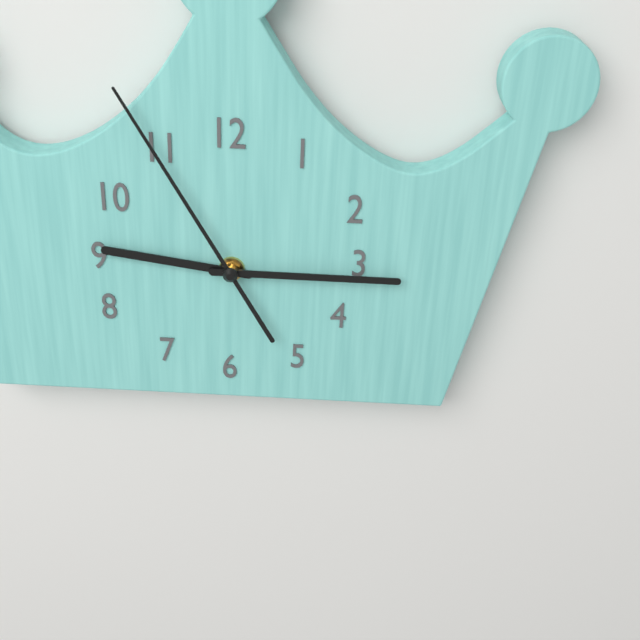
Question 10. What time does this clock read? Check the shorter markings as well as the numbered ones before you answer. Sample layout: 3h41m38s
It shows 9h15m55s
